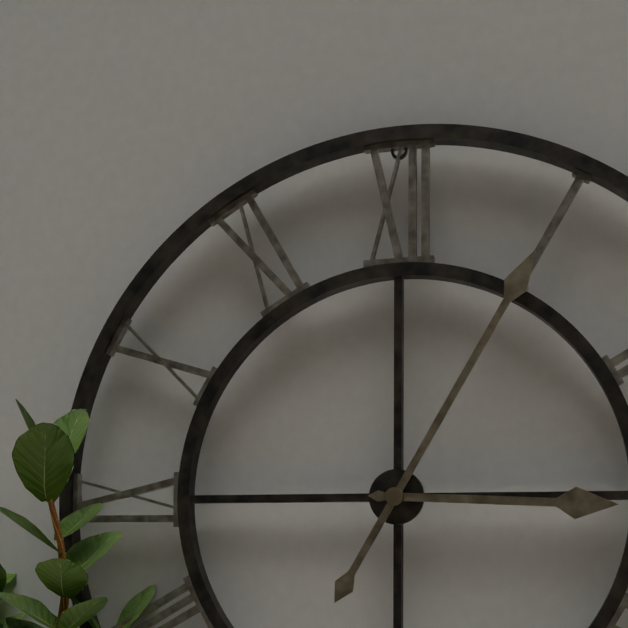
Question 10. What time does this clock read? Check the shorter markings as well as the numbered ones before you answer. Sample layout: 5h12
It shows 3h05
